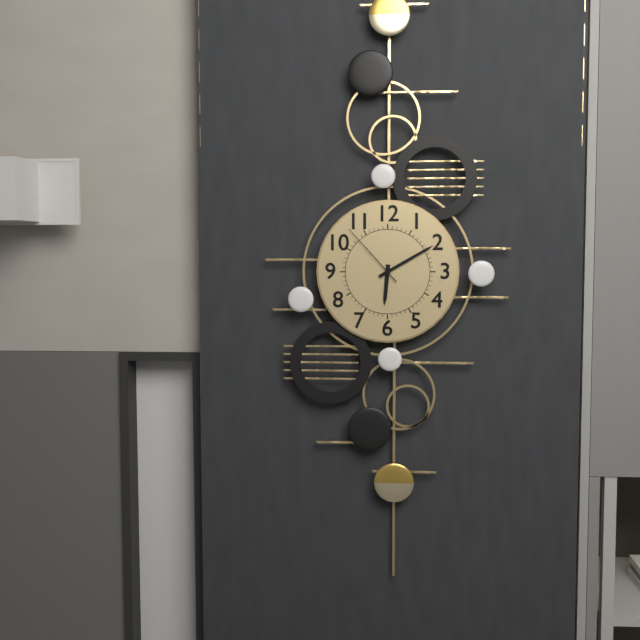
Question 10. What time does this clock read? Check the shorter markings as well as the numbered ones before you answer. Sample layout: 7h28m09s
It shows 6h10m53s
